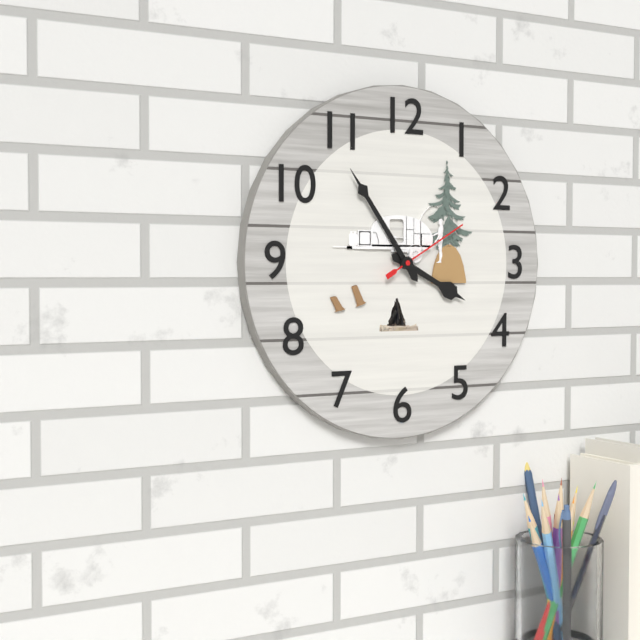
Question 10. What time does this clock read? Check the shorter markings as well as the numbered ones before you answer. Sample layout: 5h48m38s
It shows 3h54m10s
